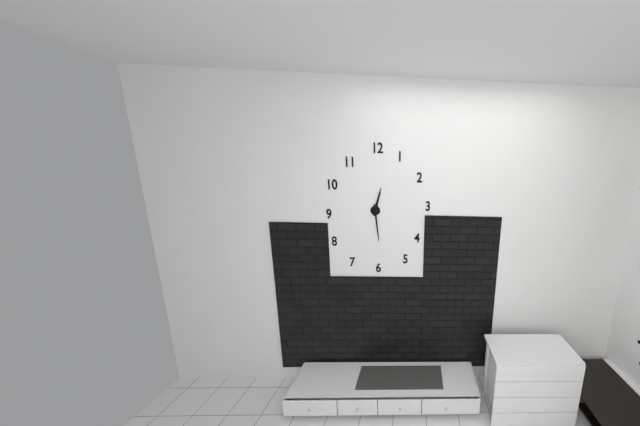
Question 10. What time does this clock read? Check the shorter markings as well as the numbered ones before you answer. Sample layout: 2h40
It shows 12h29
